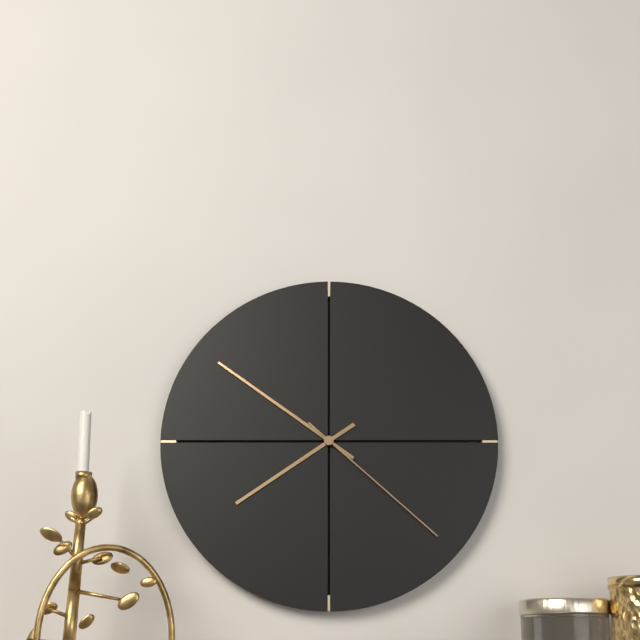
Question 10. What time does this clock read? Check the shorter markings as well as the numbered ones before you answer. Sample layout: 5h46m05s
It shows 7h51m22s
